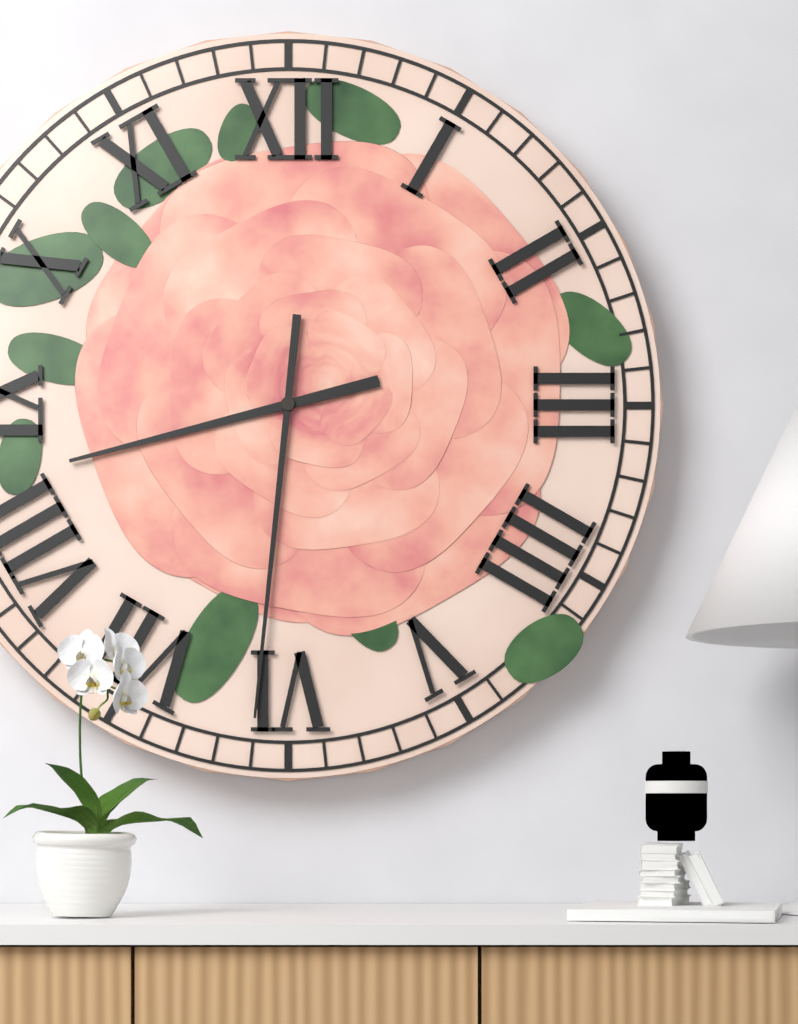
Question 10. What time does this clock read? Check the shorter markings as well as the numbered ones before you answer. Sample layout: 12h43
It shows 8h31
